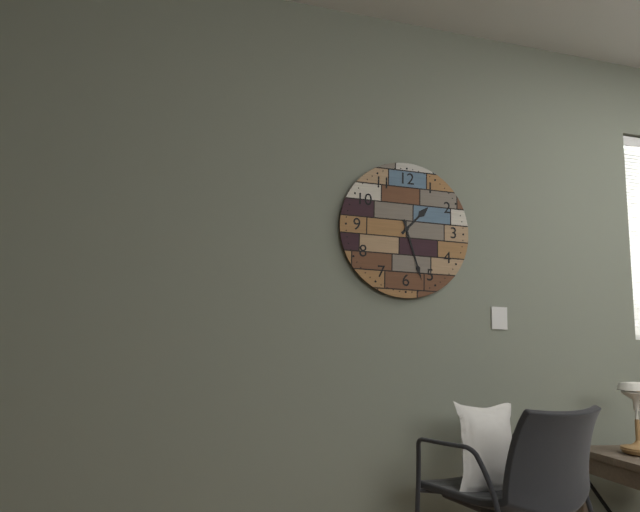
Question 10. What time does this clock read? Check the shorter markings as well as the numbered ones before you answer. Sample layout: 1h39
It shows 1h27
